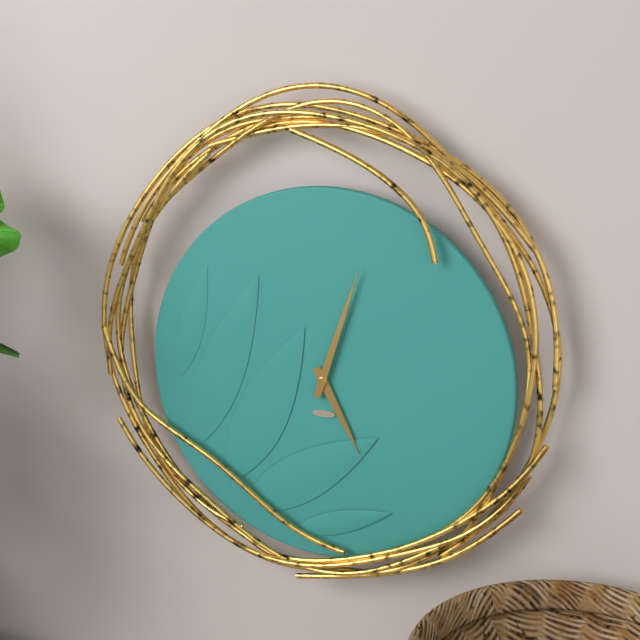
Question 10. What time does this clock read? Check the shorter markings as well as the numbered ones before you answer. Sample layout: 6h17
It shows 5h03
